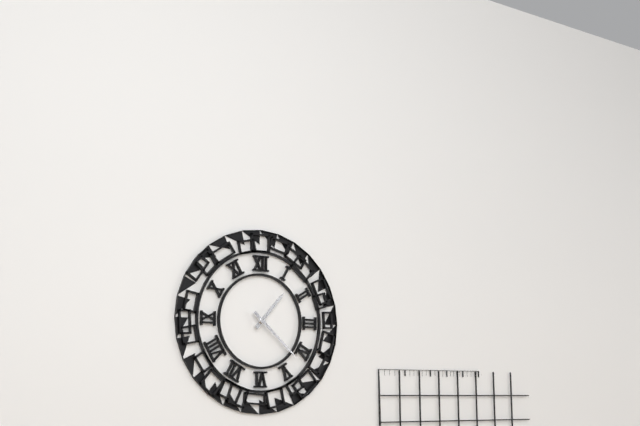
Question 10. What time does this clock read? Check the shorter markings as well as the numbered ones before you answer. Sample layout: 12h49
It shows 1h22
